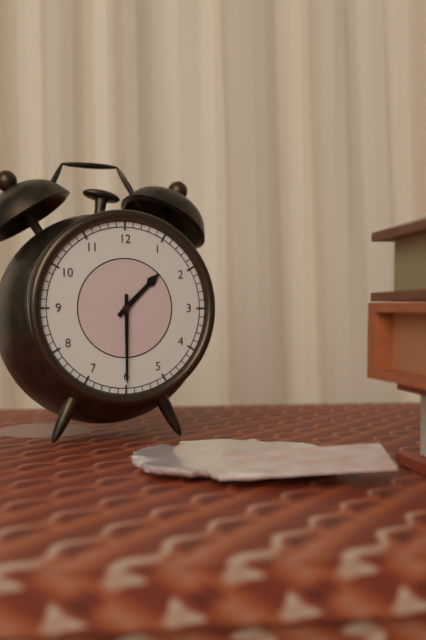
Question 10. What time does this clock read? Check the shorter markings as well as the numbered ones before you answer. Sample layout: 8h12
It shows 1h30
